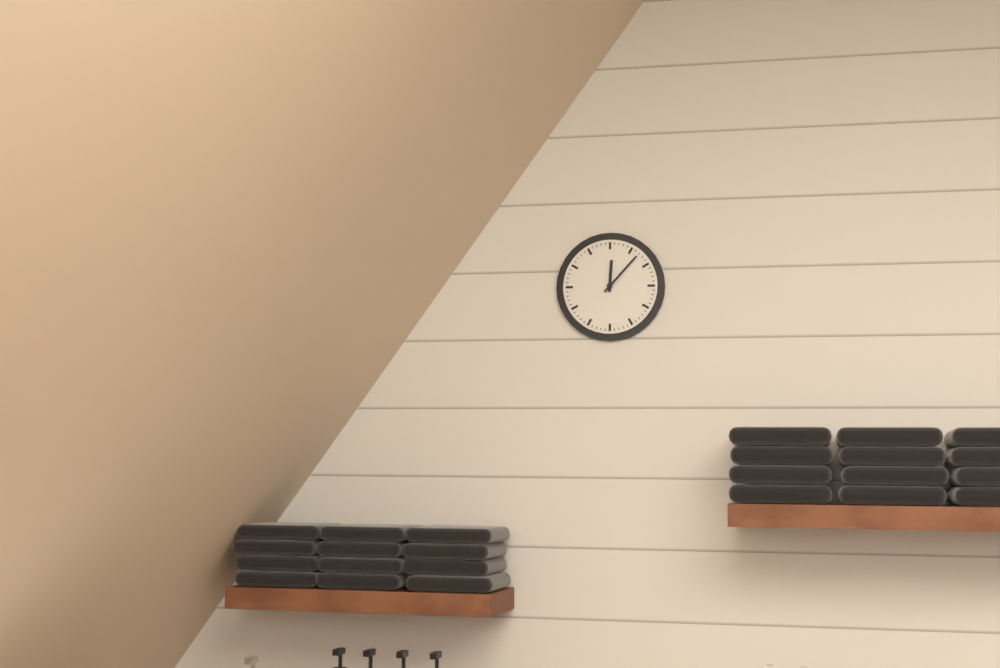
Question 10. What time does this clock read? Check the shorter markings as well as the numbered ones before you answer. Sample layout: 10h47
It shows 12h07
